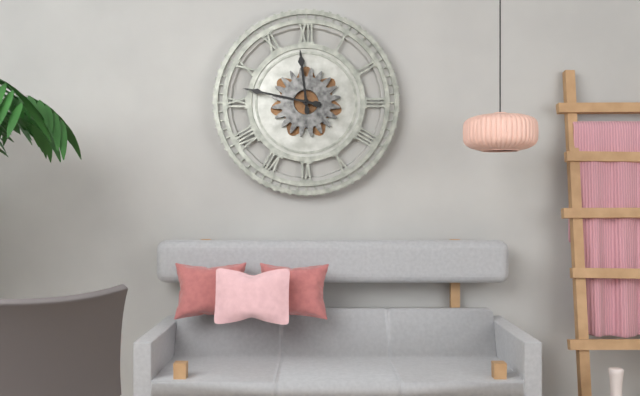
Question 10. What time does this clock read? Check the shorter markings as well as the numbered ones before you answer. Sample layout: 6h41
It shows 11h47
